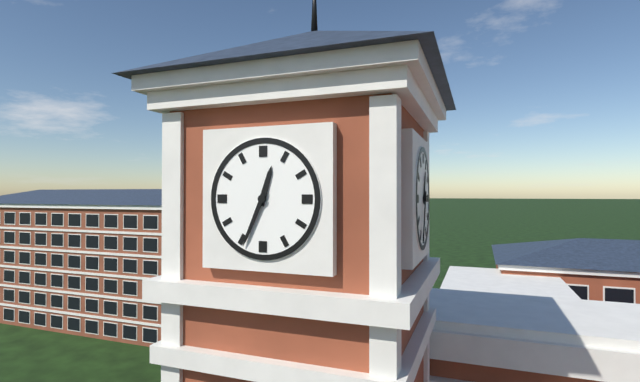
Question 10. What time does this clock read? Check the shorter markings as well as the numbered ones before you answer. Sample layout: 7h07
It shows 12h34
